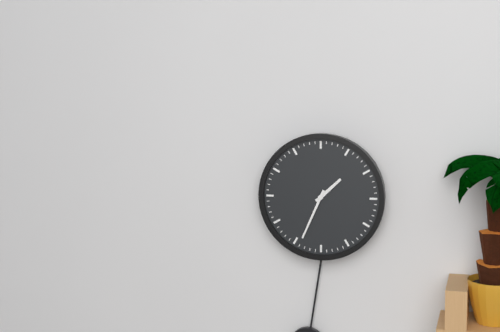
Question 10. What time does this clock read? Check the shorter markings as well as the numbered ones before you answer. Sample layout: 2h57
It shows 1h34
